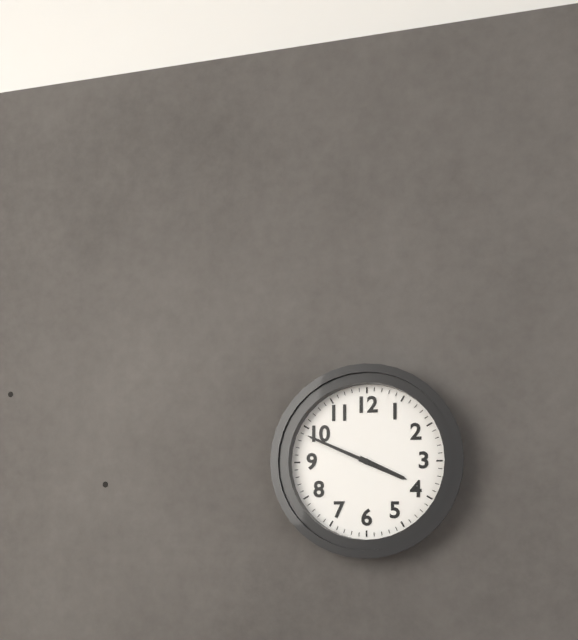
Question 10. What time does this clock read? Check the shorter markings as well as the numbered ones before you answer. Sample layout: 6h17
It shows 3h49
